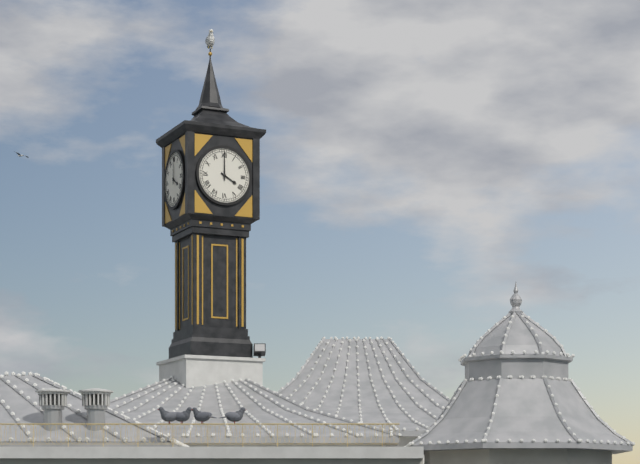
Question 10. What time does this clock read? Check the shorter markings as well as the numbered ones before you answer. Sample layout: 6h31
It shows 4h00
